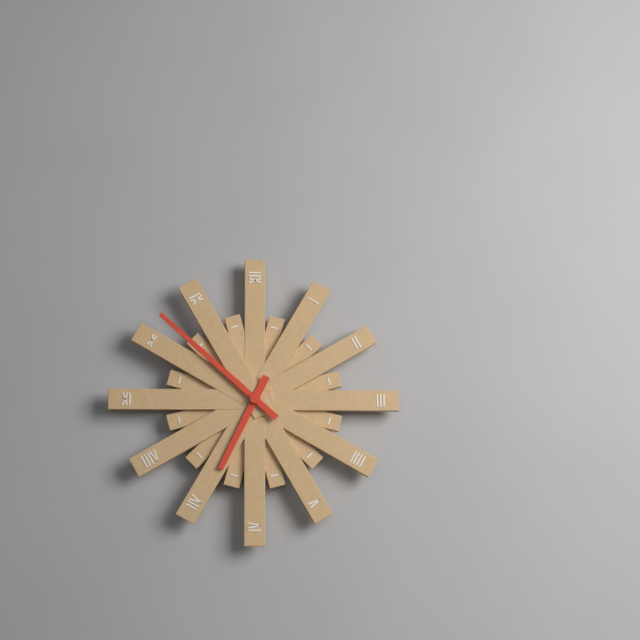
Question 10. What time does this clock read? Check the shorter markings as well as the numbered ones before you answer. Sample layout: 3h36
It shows 6h52
